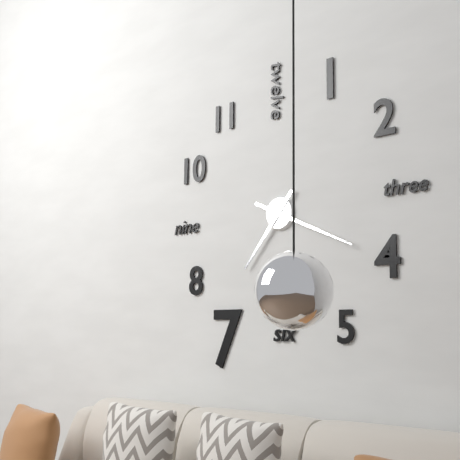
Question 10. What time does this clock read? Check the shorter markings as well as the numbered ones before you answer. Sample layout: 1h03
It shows 7h19
